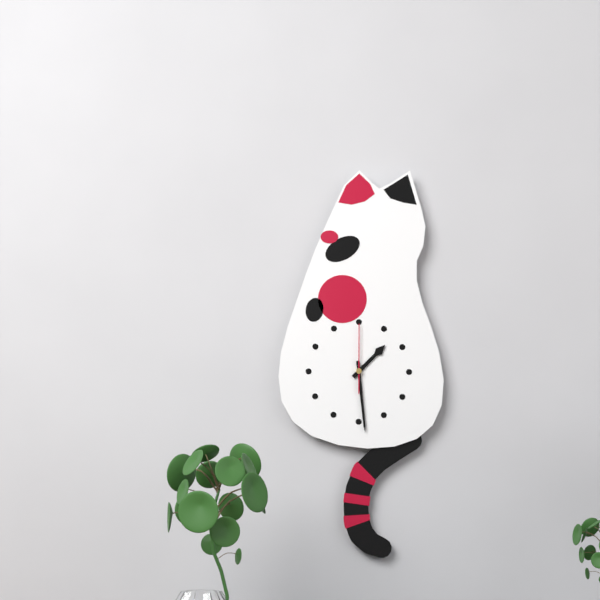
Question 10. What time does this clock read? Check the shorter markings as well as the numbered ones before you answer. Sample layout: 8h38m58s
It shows 1h29m00s
